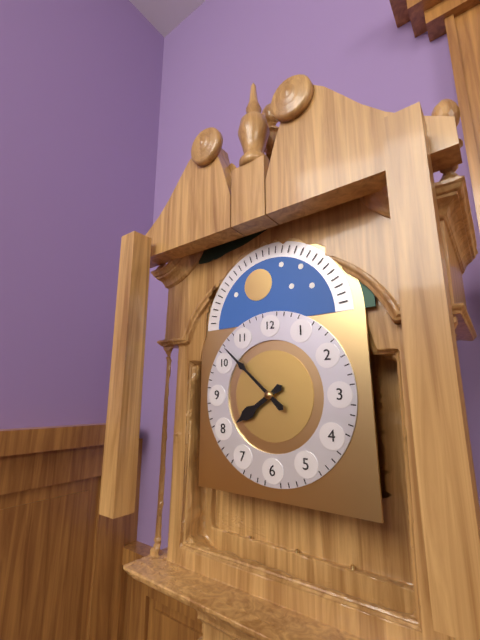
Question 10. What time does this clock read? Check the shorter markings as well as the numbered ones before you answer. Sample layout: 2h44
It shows 7h52
